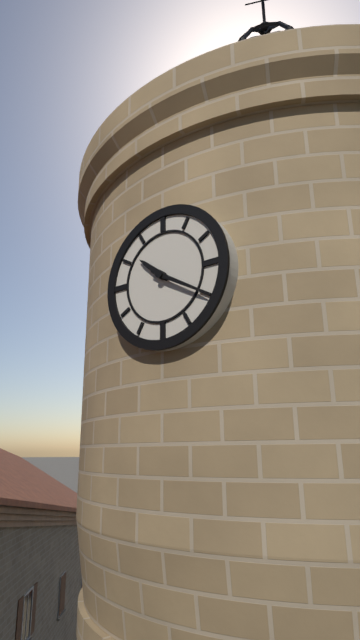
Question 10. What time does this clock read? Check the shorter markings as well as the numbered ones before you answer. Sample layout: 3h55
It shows 10h20
